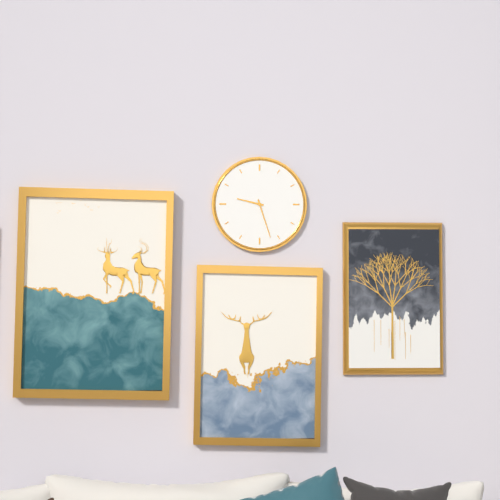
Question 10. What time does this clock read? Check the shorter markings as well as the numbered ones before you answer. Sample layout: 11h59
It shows 9h27
